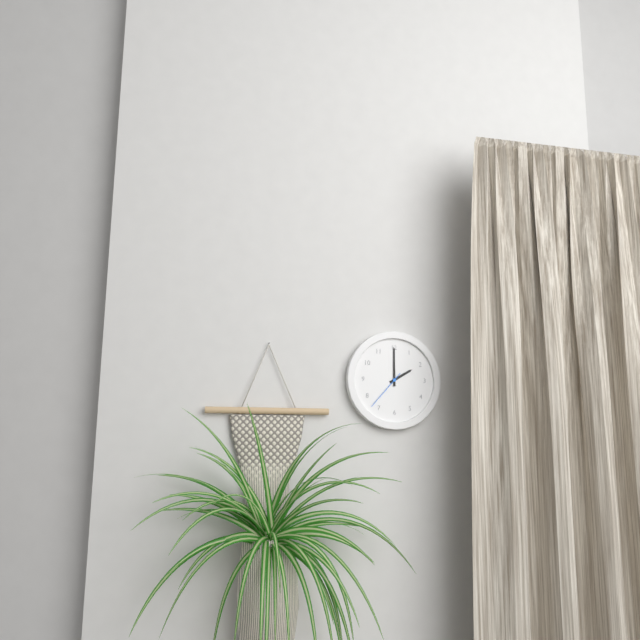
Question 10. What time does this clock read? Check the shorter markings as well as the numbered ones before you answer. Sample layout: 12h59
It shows 2h00
